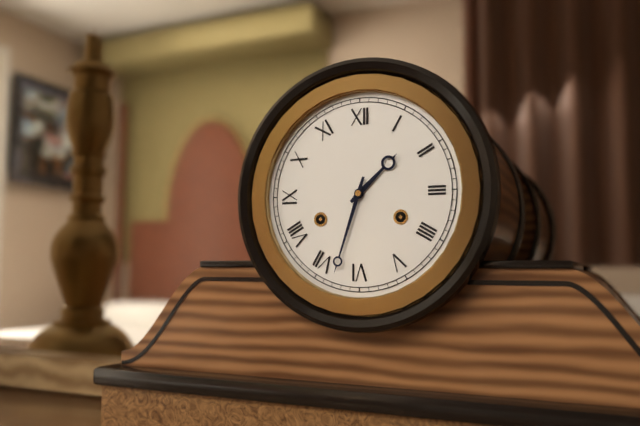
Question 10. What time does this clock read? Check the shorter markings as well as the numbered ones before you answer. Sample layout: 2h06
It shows 1h33
